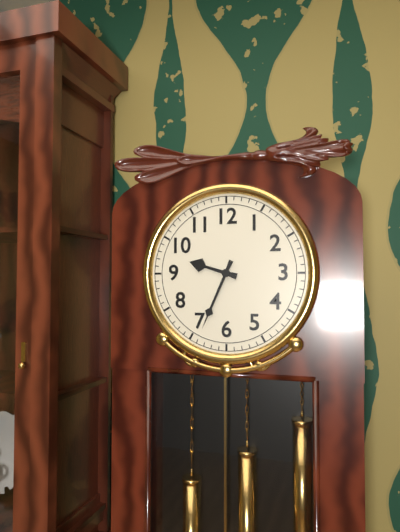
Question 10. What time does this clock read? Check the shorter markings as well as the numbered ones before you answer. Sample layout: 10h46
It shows 9h34
